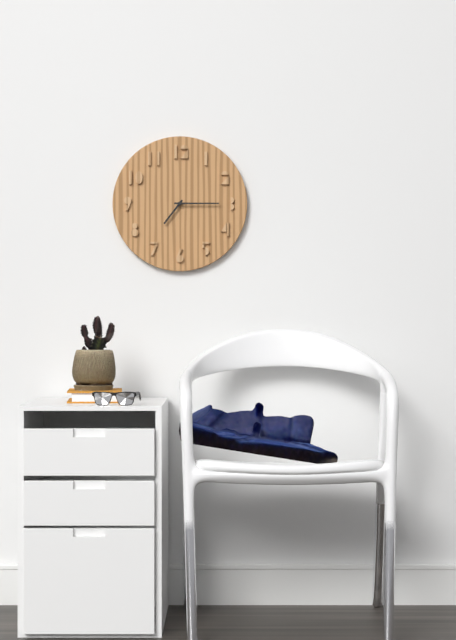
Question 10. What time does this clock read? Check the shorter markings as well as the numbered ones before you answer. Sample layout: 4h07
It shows 7h15
